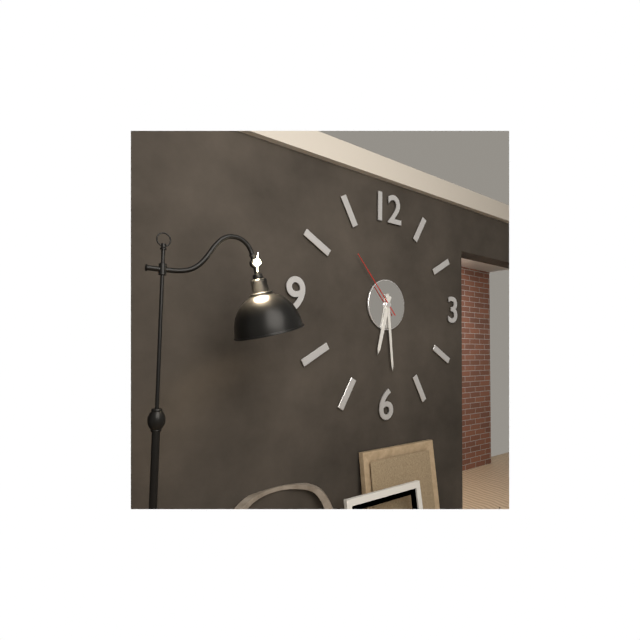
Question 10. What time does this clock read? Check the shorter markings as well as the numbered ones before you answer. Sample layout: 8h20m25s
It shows 6h29m53s
